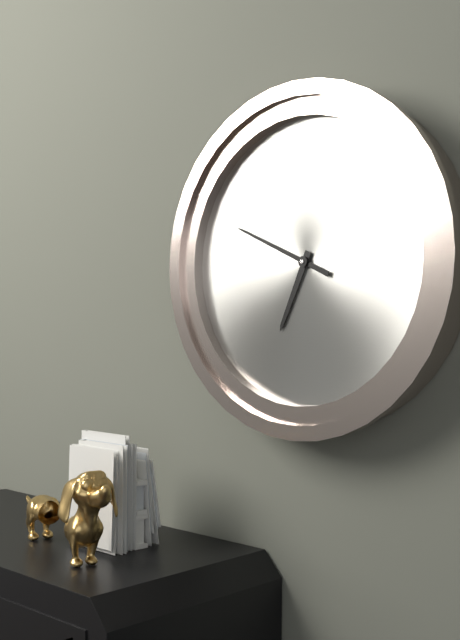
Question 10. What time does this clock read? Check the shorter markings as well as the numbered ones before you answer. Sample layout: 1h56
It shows 6h49
